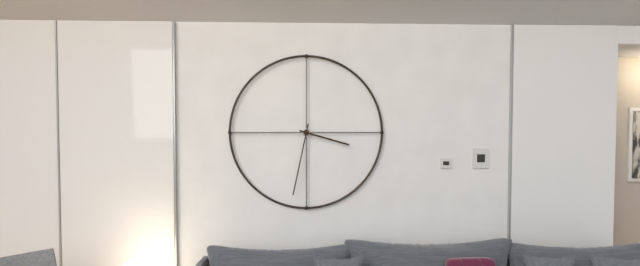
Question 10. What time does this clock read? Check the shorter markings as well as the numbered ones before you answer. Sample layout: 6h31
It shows 3h32
